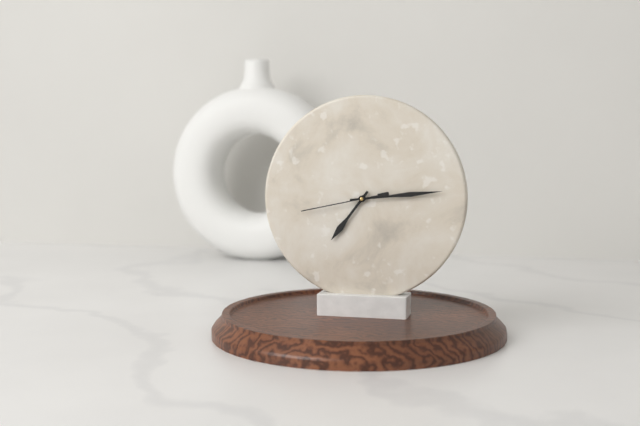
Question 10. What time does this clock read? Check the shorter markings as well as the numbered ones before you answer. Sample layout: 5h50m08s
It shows 7h14m43s
